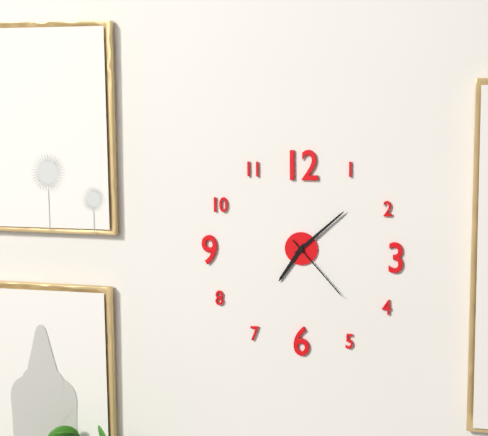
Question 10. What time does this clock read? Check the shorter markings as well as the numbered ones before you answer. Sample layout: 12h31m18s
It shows 7h08m23s
